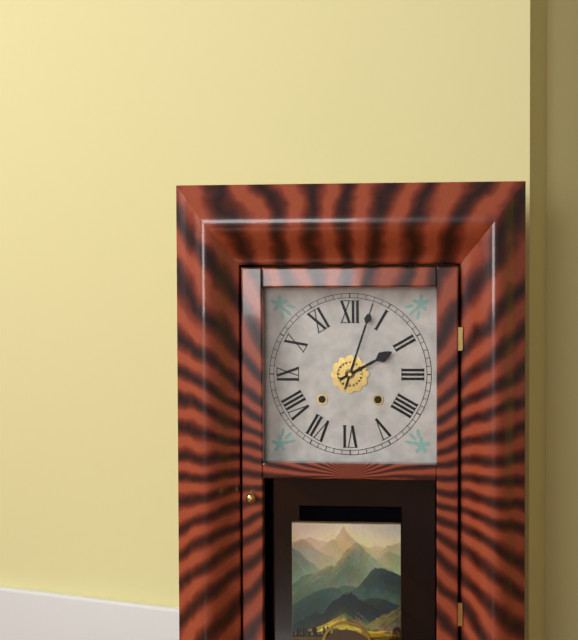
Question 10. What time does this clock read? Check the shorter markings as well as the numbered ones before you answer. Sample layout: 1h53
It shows 2h03
